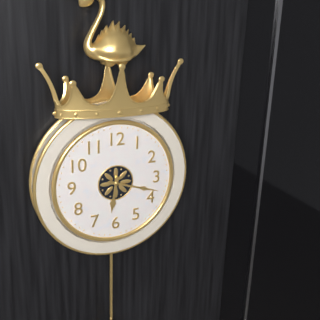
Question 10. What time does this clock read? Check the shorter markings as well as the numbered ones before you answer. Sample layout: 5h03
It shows 6h18
